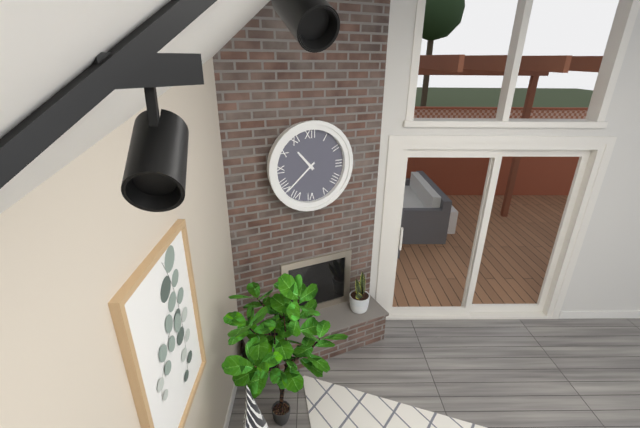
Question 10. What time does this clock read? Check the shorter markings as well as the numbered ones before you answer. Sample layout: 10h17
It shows 10h38
